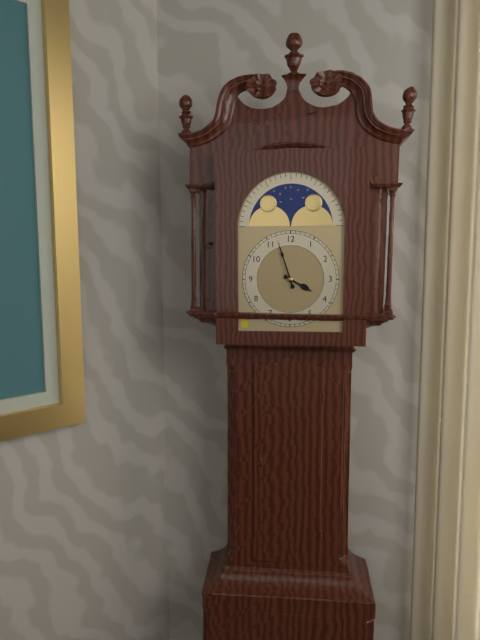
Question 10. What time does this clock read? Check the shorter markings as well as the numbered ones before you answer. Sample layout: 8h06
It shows 3h57
